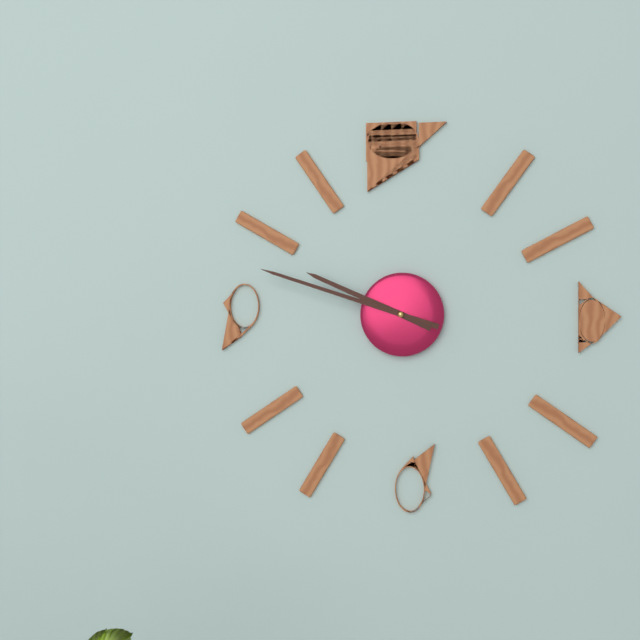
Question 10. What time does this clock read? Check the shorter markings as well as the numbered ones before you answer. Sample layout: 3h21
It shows 9h48
